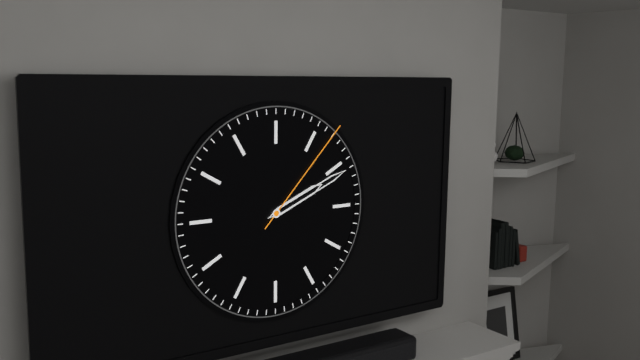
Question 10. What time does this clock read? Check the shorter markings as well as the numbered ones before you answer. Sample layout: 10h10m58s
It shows 2h11m07s
